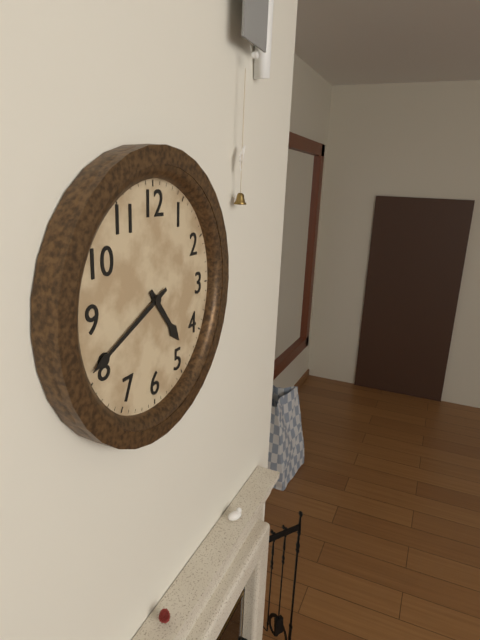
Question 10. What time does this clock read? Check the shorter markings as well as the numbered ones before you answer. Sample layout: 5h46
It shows 4h41
